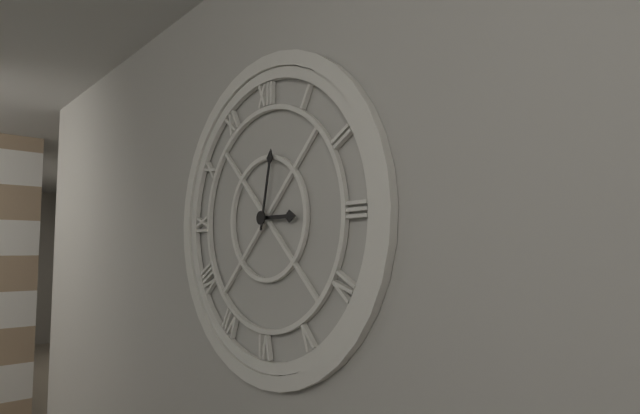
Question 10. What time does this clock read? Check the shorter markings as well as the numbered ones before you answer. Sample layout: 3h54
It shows 3h02
